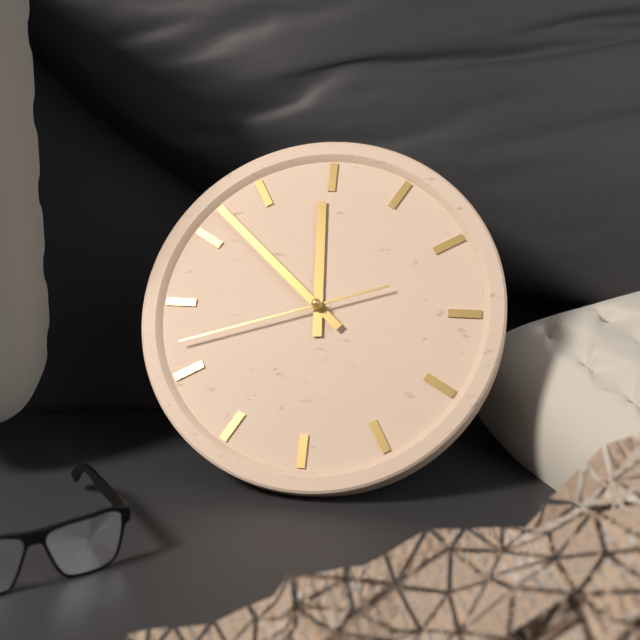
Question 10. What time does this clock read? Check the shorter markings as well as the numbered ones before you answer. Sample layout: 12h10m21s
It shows 11h52m42s
